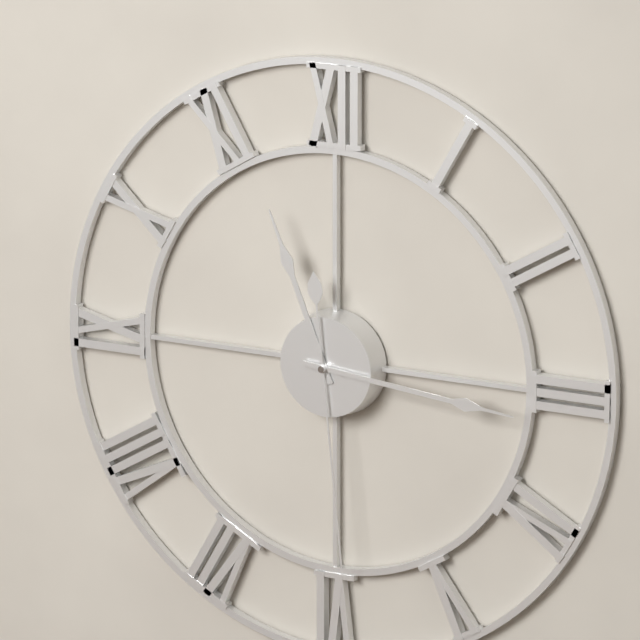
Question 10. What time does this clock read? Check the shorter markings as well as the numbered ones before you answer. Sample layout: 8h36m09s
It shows 11h16m29s
